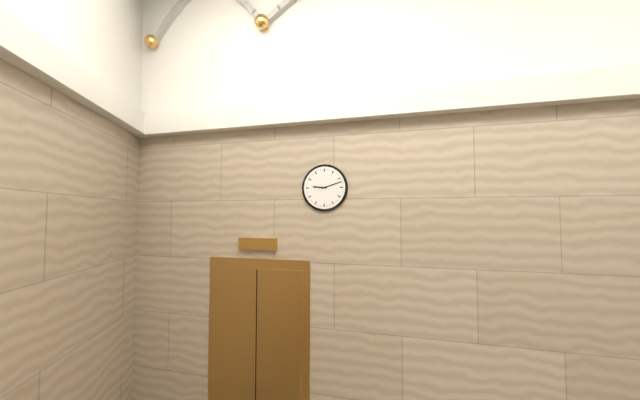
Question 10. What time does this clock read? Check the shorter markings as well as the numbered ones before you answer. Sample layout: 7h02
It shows 9h12
